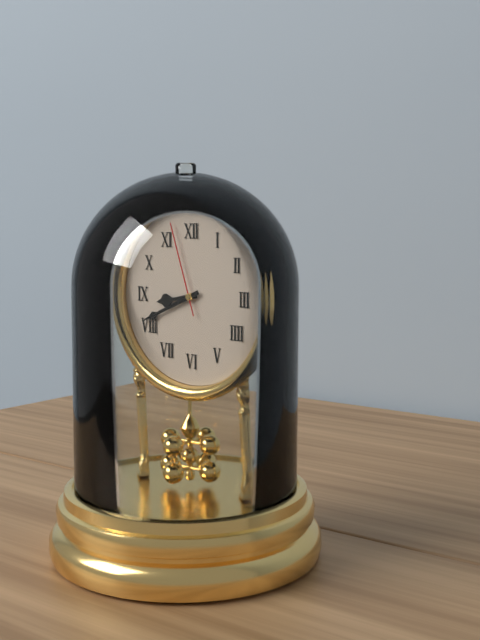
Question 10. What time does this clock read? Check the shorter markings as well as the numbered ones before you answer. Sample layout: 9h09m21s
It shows 8h41m57s
